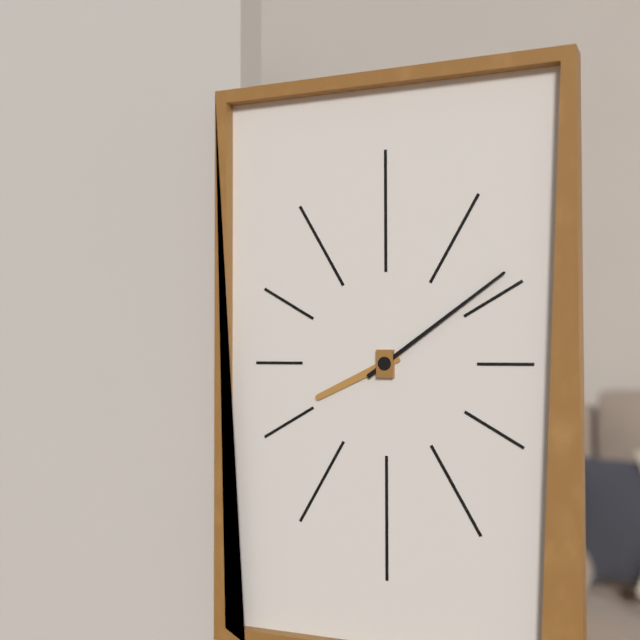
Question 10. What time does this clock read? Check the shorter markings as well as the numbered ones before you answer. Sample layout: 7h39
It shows 8h09
